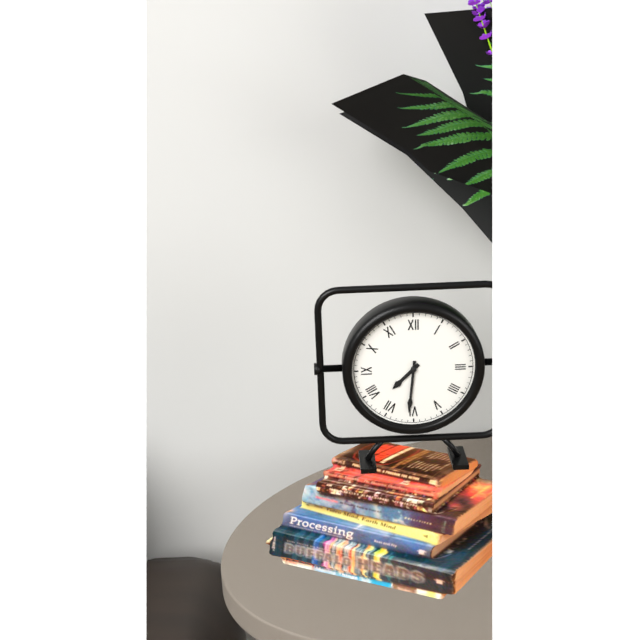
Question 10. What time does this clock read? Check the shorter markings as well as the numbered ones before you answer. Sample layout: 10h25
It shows 7h31
